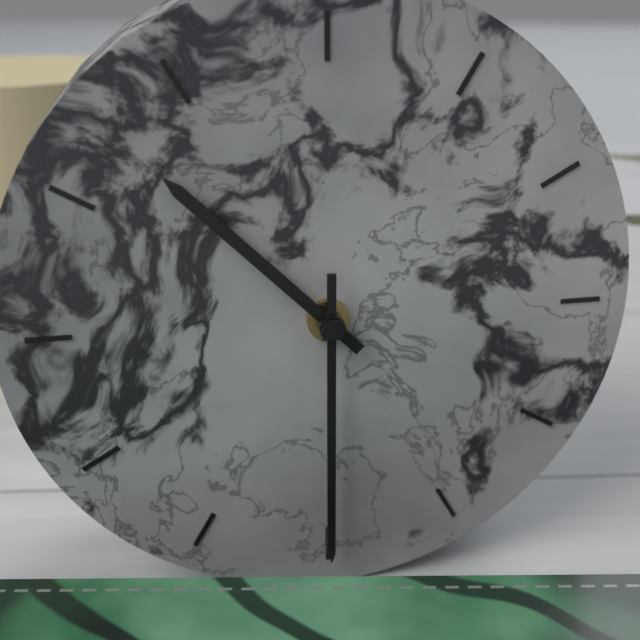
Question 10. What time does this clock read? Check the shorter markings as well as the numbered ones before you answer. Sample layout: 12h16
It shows 10h30
